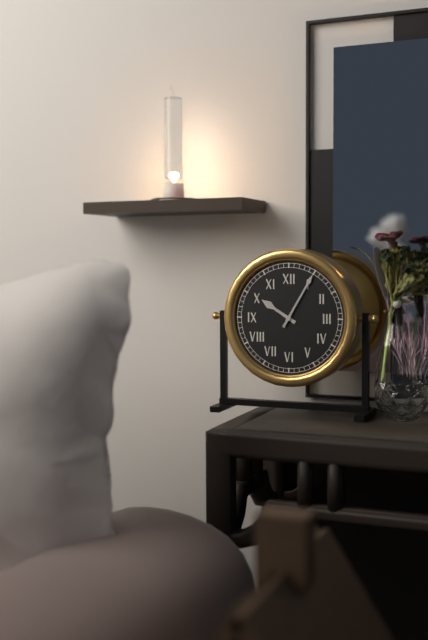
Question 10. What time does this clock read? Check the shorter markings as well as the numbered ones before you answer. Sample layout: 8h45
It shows 10h05
